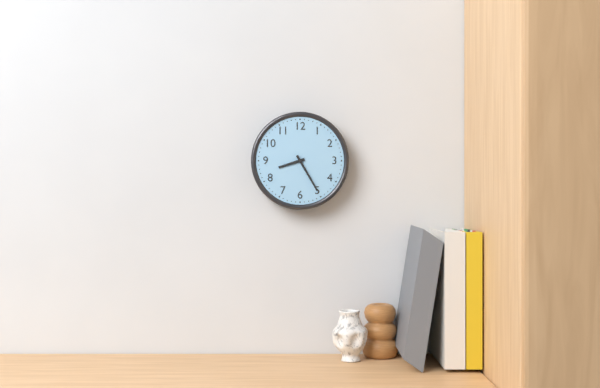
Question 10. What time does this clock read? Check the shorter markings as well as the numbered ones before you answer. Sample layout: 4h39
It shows 8h25
